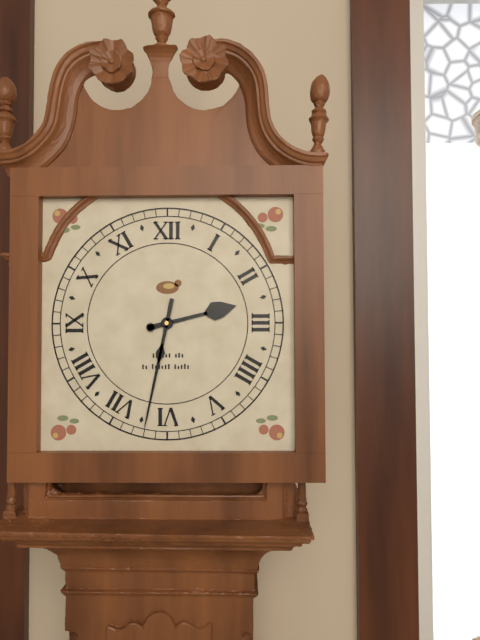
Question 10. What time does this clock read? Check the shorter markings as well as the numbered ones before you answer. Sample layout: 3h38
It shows 2h32
